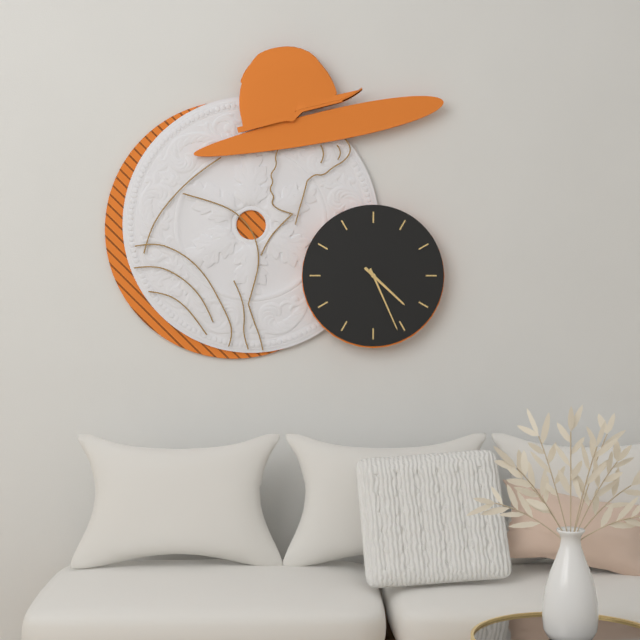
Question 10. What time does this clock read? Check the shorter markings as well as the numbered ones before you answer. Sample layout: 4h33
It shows 4h26
